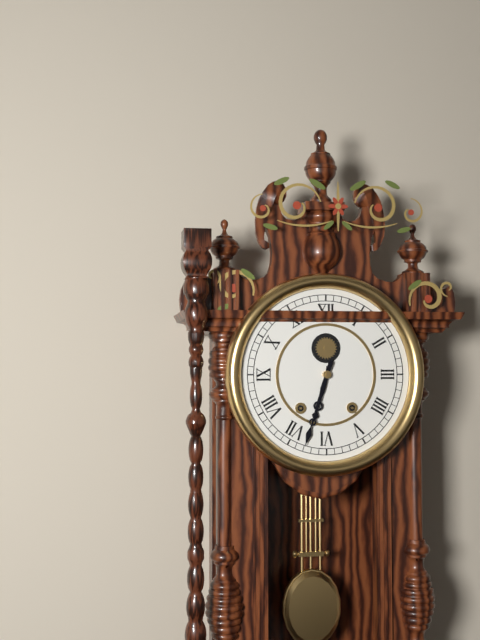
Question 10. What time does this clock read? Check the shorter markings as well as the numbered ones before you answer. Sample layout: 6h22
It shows 6h33
